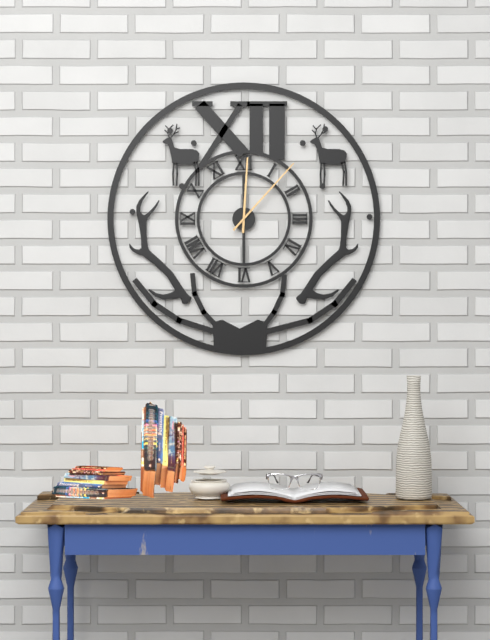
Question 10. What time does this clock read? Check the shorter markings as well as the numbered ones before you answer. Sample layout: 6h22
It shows 12h07
